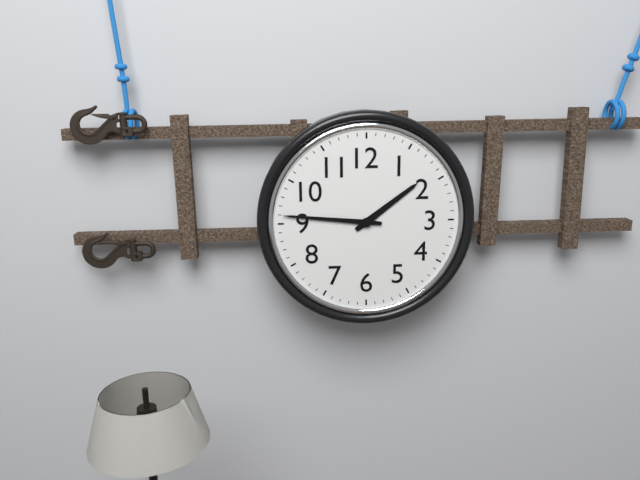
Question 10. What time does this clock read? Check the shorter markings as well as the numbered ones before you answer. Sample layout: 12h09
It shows 1h46
